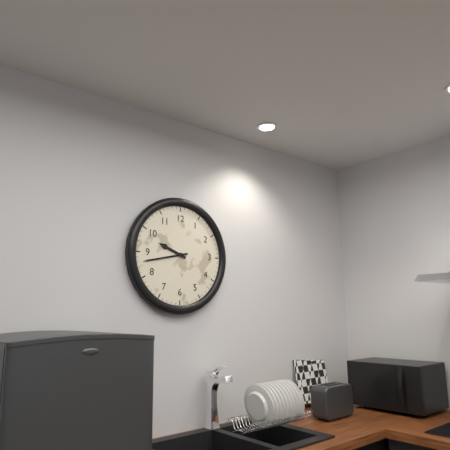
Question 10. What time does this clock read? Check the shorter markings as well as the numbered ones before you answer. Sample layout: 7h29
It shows 9h43
